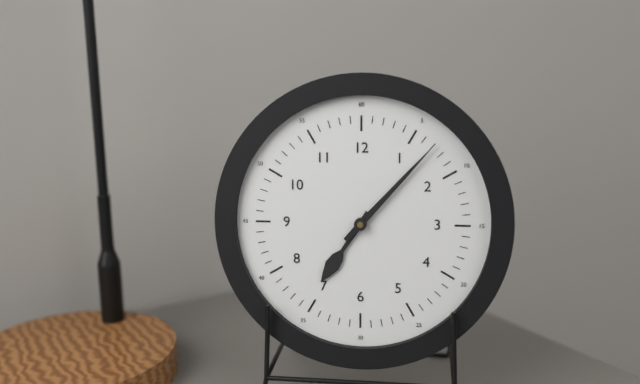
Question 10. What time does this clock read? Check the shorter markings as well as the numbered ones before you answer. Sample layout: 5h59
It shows 7h07
